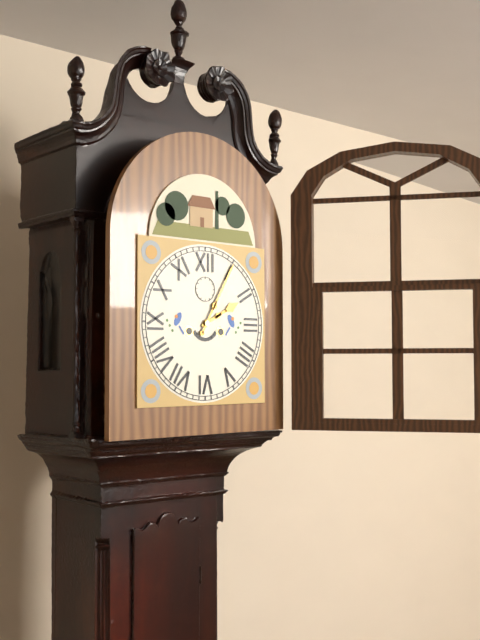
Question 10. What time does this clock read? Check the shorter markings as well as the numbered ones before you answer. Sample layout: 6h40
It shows 2h05
